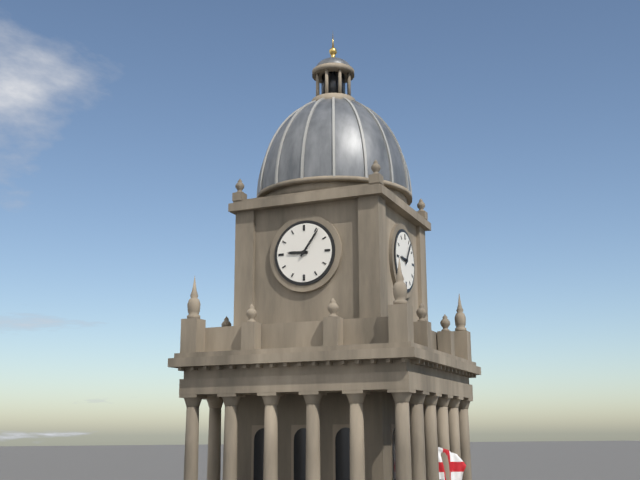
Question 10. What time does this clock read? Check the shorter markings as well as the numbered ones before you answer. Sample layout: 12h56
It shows 9h06
